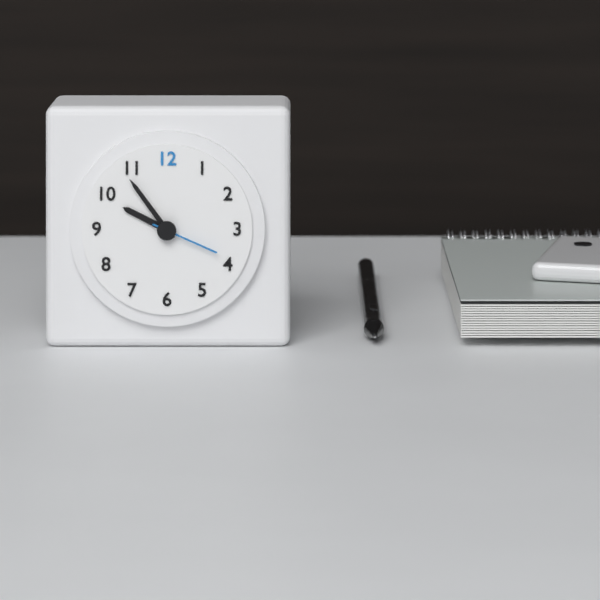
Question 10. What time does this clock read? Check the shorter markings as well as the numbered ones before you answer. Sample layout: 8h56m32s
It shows 9h54m19s
